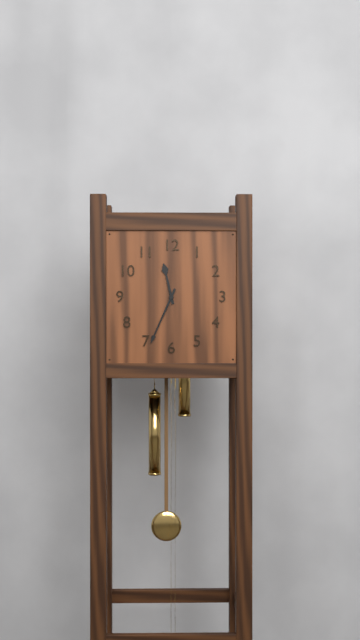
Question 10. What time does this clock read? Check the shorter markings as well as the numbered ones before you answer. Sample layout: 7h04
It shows 11h34
